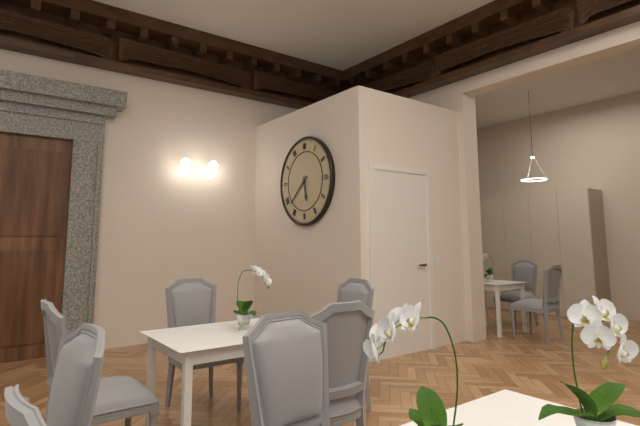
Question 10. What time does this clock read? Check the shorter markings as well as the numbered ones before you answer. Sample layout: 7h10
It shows 5h38
